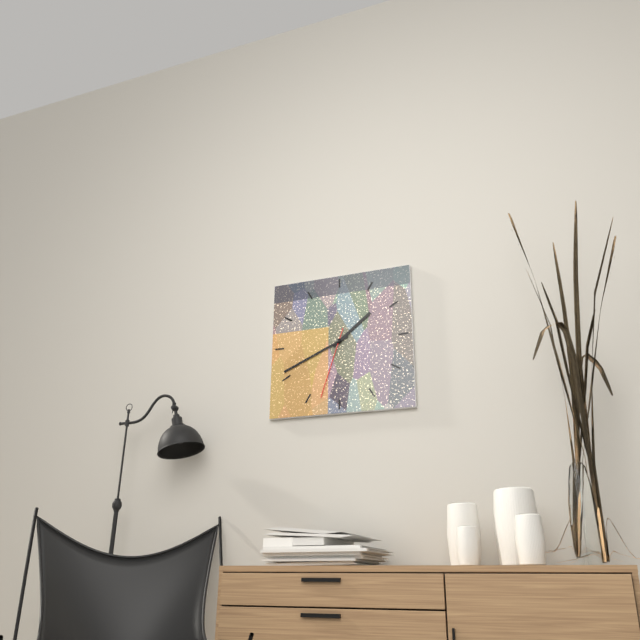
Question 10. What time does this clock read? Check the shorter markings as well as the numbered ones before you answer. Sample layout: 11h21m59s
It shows 1h41m33s
